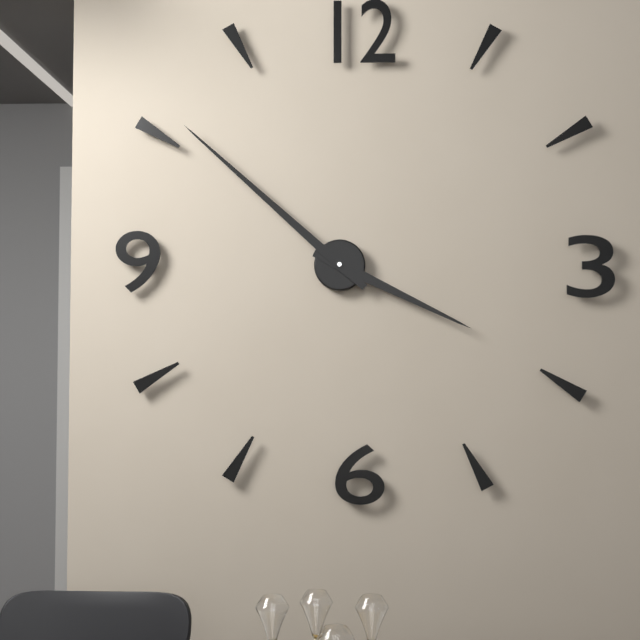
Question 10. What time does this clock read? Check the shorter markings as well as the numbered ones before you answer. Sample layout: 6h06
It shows 3h52
